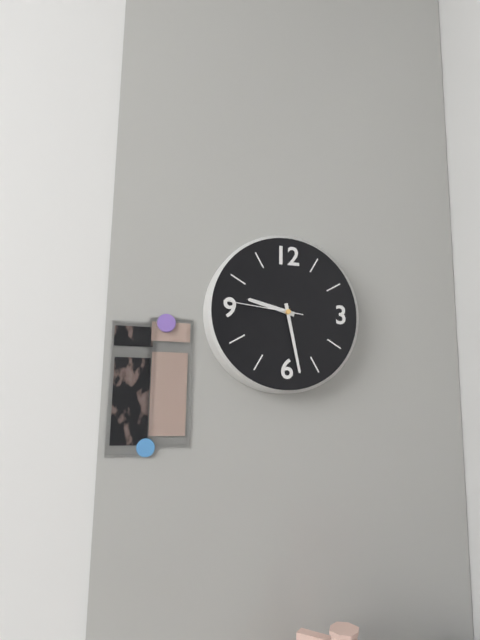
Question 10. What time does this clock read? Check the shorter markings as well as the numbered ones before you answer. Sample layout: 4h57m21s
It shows 9h28m46s
